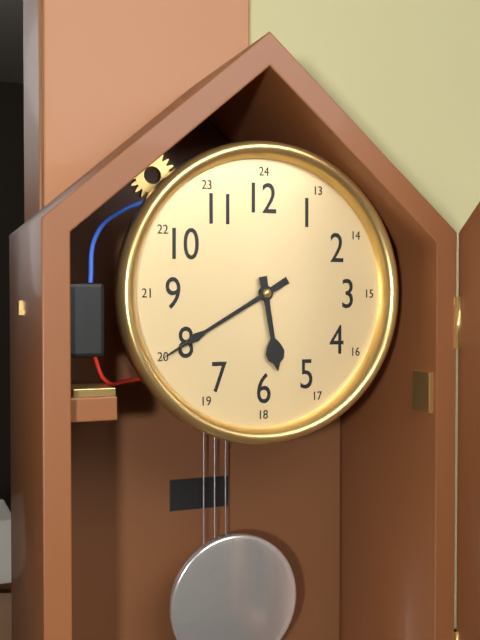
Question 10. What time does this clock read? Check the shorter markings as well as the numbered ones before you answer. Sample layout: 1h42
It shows 5h40
